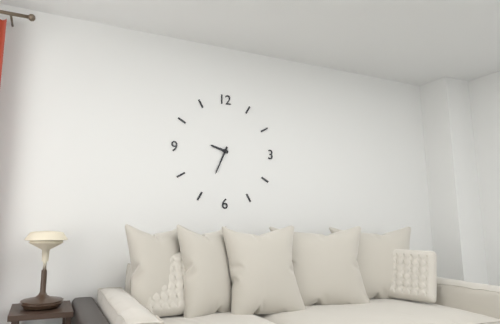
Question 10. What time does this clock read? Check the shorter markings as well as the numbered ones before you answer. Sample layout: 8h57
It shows 9h34
